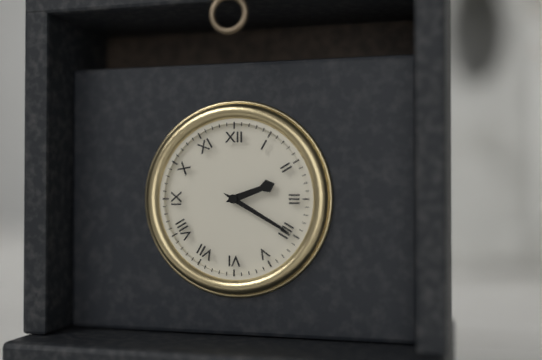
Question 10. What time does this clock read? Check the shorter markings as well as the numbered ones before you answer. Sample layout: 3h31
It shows 2h20
